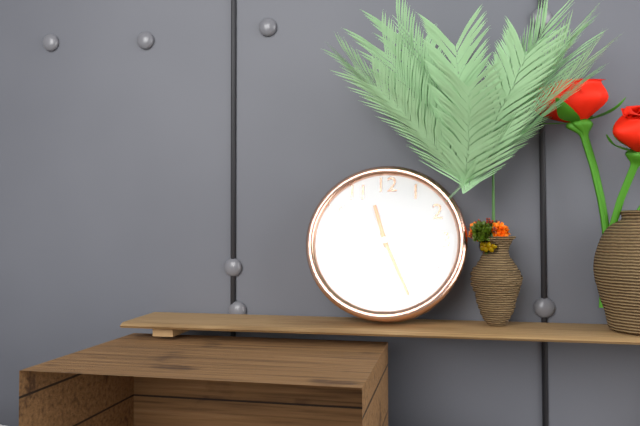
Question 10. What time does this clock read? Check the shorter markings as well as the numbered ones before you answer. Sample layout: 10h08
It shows 11h26
